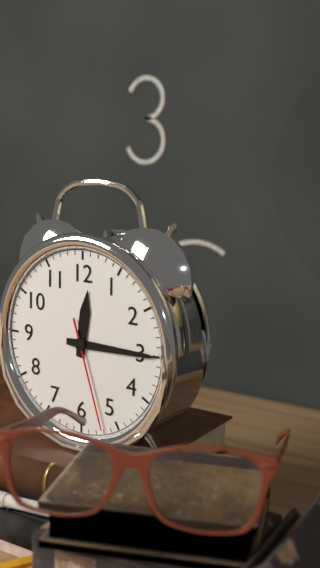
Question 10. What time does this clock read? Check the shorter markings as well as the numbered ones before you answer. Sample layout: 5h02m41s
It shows 12h15m27s
